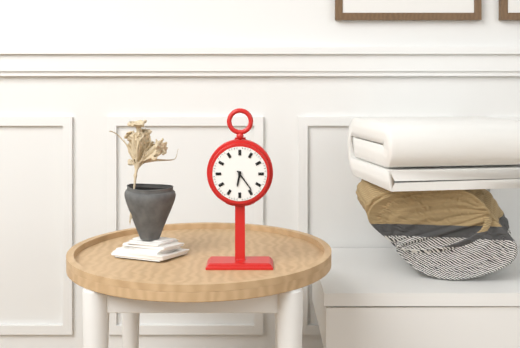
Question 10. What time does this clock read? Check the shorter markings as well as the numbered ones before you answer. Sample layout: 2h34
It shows 6h24
